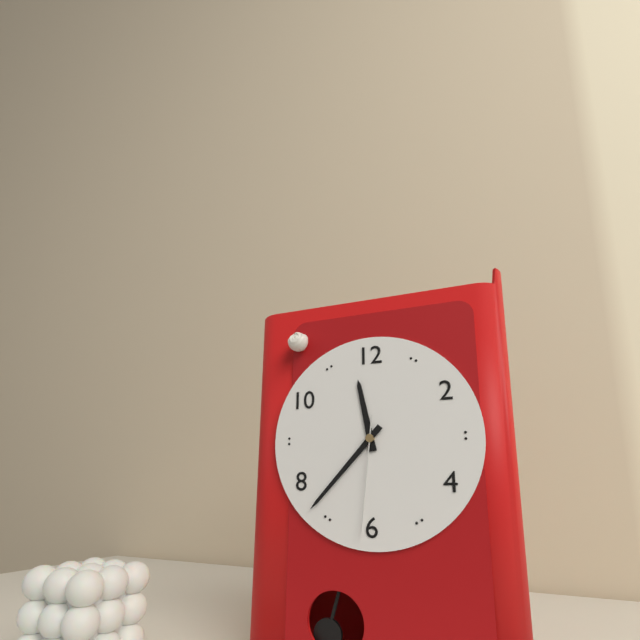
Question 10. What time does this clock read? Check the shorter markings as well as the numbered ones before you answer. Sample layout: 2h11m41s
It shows 11h37m31s
